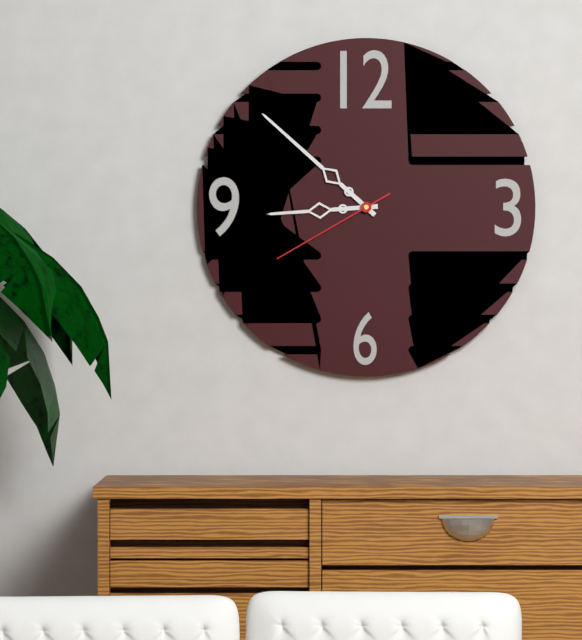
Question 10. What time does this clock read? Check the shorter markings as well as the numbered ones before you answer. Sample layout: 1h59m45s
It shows 8h52m40s
